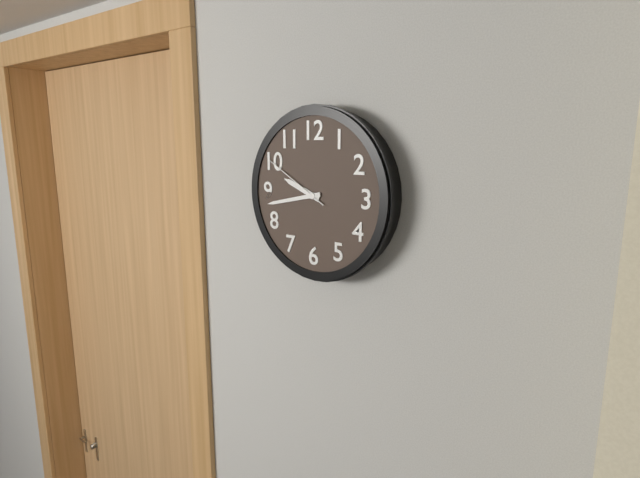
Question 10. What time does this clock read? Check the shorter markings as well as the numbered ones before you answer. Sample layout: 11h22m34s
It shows 9h43m50s
